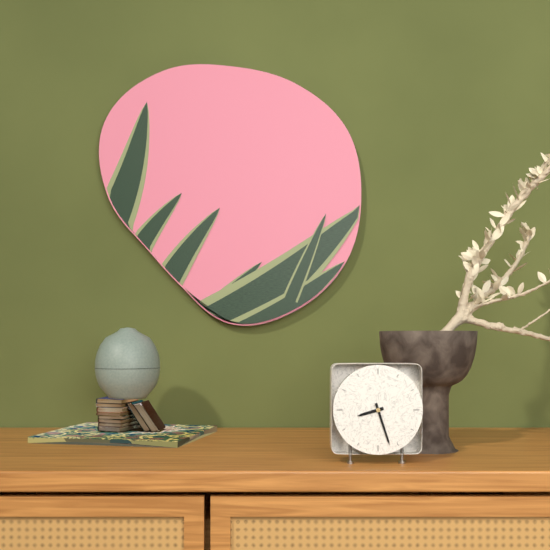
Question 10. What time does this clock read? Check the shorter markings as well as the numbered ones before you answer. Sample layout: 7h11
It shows 8h27
